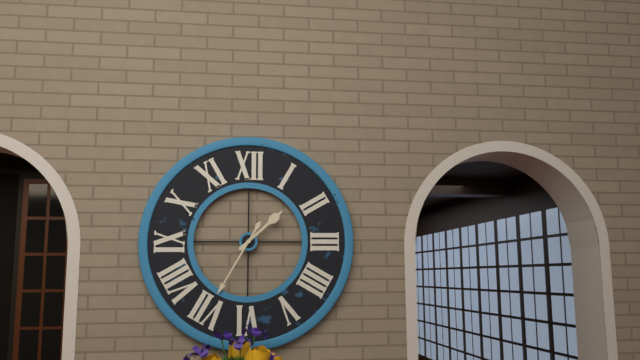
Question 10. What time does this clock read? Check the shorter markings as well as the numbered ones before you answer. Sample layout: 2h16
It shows 1h35
